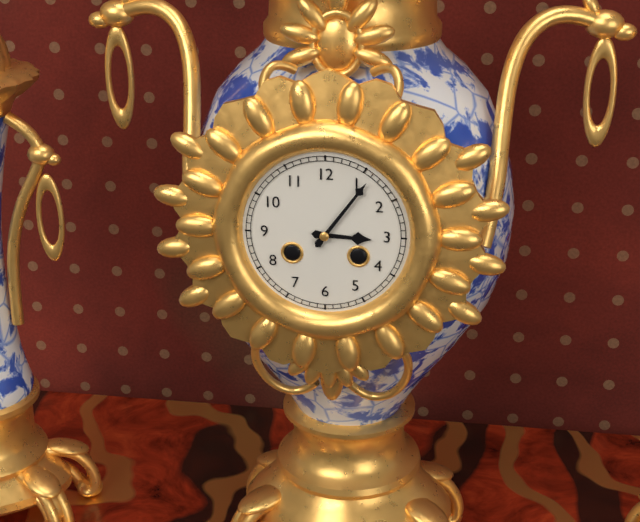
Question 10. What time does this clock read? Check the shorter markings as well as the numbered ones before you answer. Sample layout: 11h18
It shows 3h06
